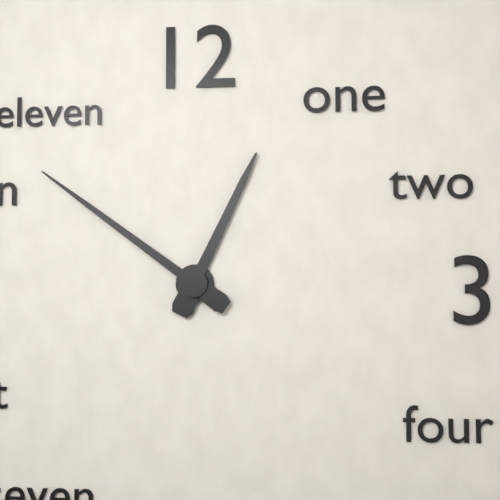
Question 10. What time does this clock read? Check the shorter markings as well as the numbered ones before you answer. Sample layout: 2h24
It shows 12h51
